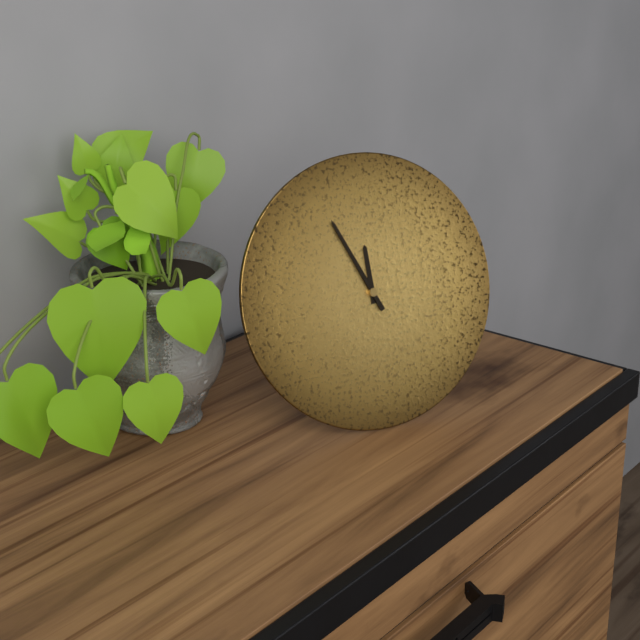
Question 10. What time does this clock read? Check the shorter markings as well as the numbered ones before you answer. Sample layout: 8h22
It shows 11h56
